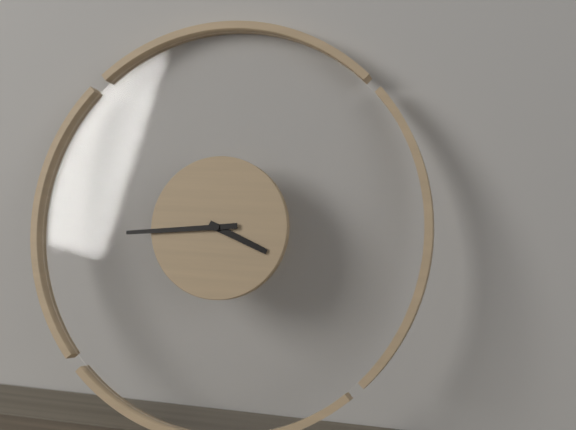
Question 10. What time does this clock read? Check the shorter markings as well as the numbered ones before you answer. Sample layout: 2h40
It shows 3h44
